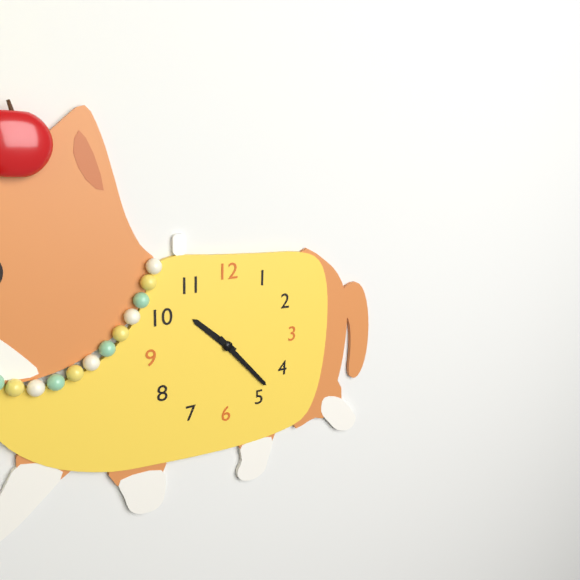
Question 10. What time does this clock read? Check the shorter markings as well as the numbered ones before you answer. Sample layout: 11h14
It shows 10h23
